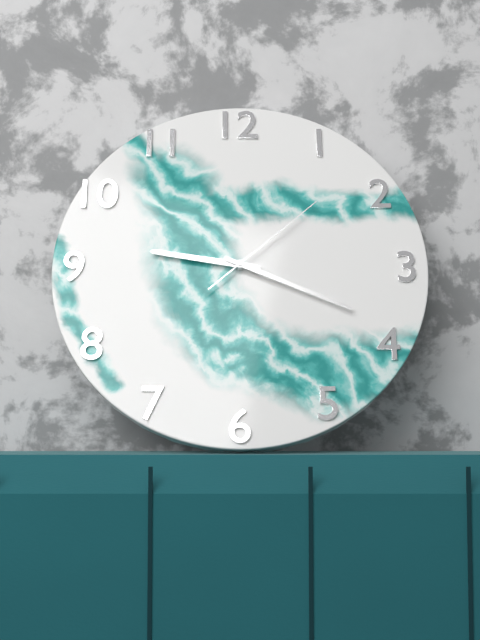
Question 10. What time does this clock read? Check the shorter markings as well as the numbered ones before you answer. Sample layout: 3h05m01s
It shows 9h19m08s
